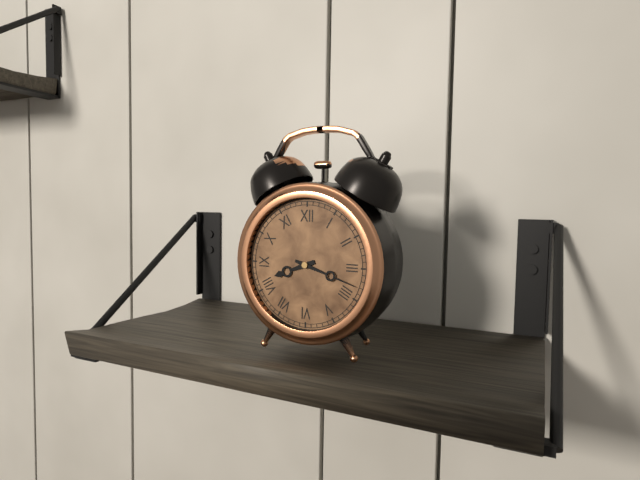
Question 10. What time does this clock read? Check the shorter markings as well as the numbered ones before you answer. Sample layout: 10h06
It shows 8h18
